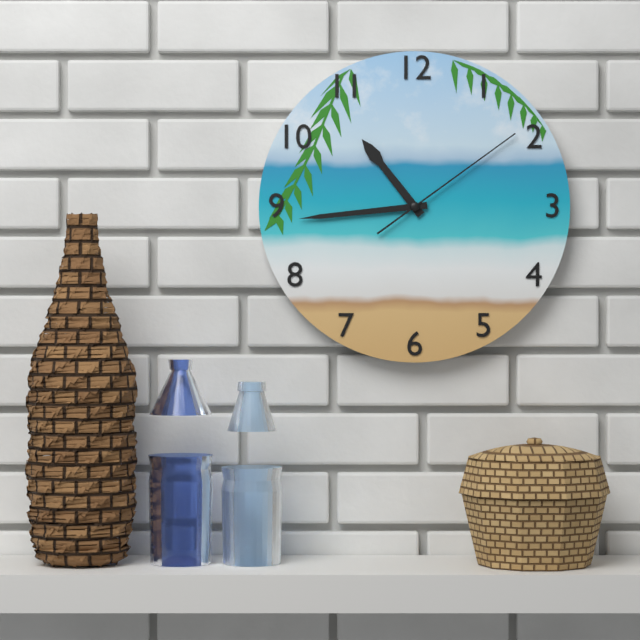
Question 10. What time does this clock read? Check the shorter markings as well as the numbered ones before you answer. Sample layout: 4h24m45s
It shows 10h44m09s
